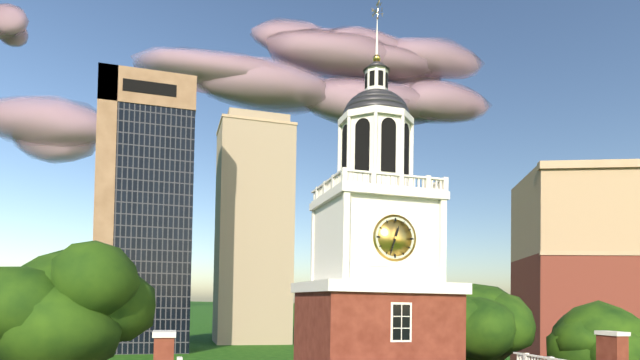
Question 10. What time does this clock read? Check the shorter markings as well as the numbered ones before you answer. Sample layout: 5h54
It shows 12h33
